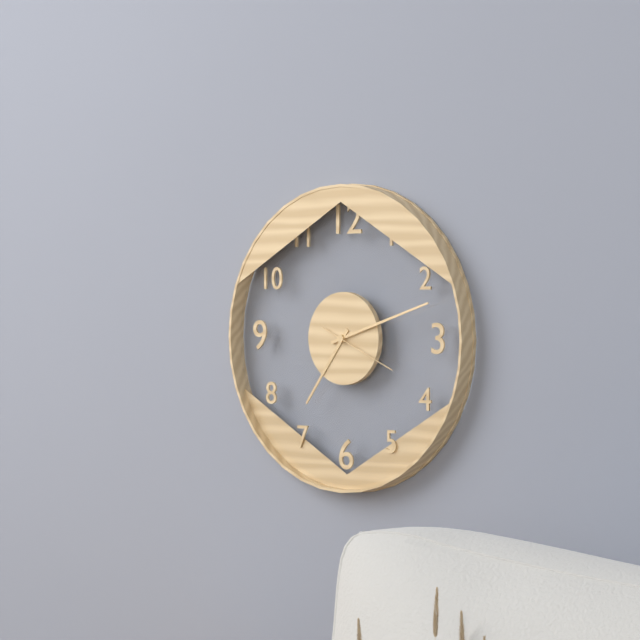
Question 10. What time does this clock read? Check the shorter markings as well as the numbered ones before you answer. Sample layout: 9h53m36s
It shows 7h12m19s
